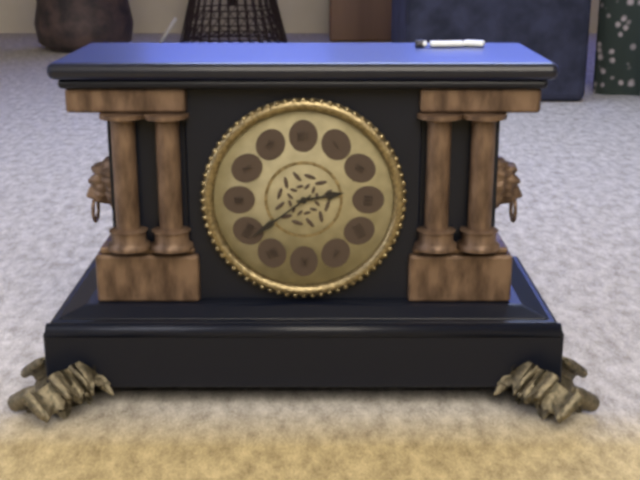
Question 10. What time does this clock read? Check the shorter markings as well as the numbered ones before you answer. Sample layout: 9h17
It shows 2h39
